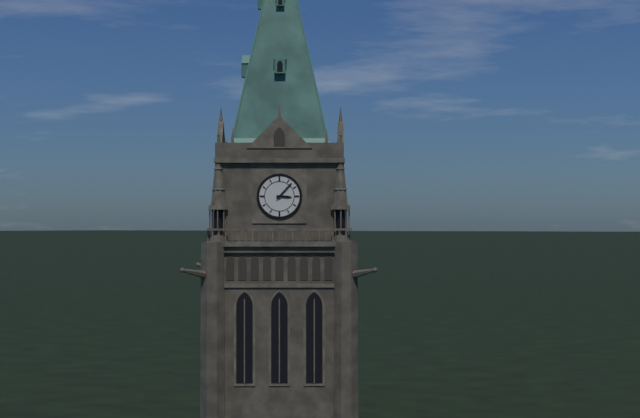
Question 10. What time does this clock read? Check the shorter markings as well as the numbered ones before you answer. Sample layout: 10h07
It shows 3h07
